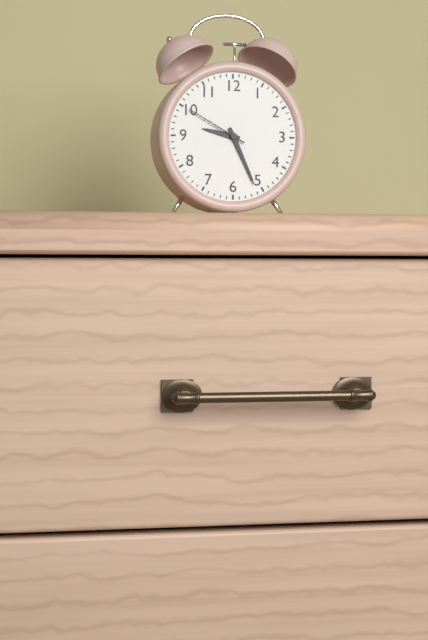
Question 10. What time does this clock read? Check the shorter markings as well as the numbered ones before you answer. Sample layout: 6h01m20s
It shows 9h26m50s
